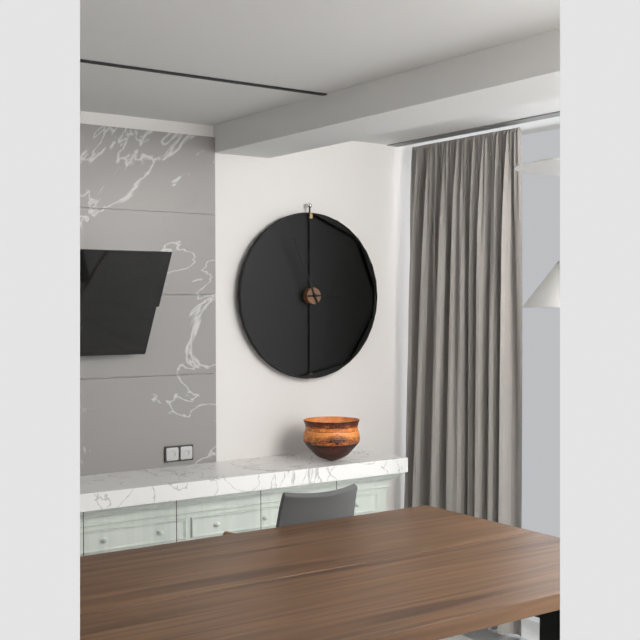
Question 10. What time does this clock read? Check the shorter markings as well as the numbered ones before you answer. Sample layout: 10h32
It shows 2h56
